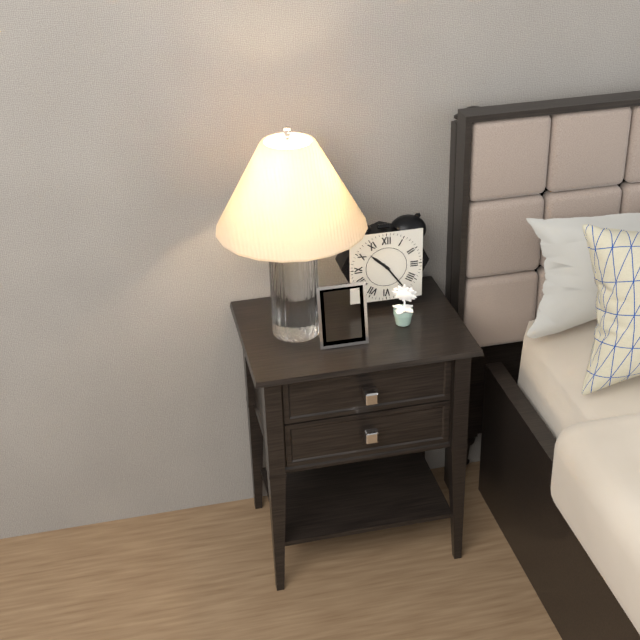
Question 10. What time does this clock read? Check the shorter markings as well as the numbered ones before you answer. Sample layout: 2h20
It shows 10h24
